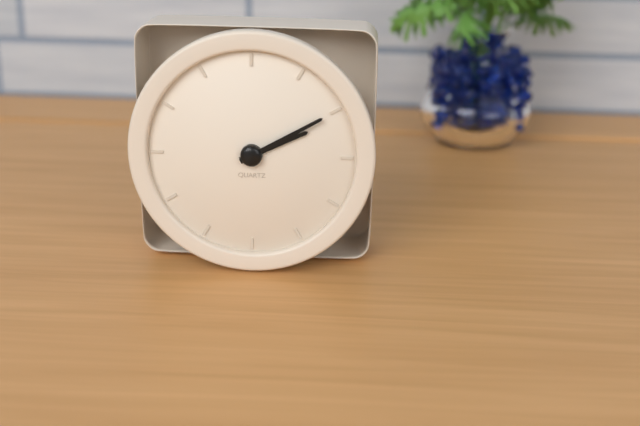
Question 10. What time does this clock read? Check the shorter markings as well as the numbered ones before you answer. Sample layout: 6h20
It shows 2h10
